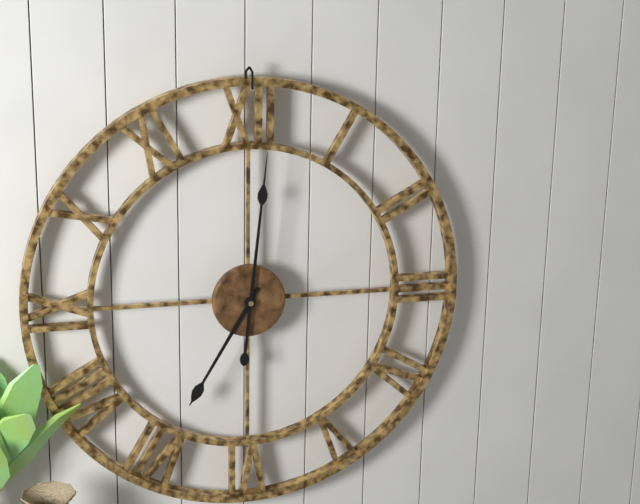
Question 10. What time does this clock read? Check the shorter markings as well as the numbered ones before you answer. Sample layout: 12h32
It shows 7h01
